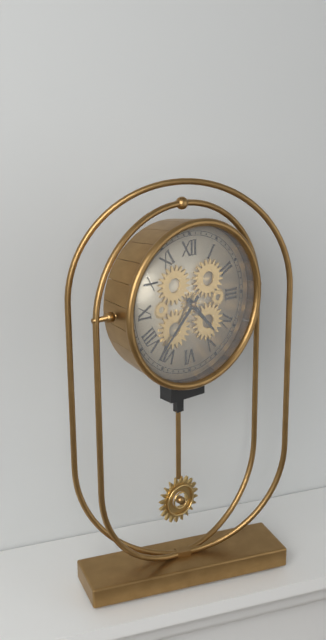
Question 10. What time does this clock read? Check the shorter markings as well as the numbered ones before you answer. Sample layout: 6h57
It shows 4h37
